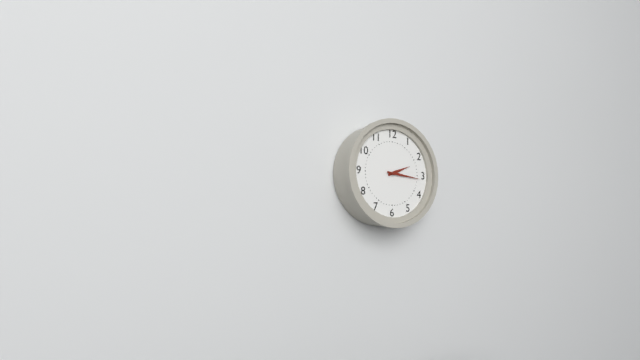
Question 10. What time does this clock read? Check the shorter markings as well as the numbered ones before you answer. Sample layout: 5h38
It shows 2h16
